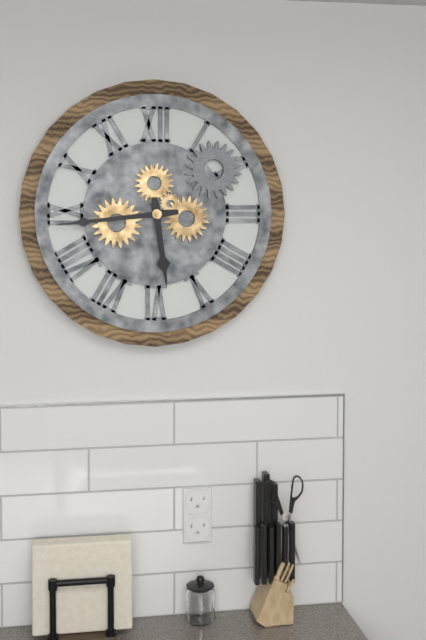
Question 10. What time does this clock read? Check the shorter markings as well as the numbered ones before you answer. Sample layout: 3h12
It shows 5h44
